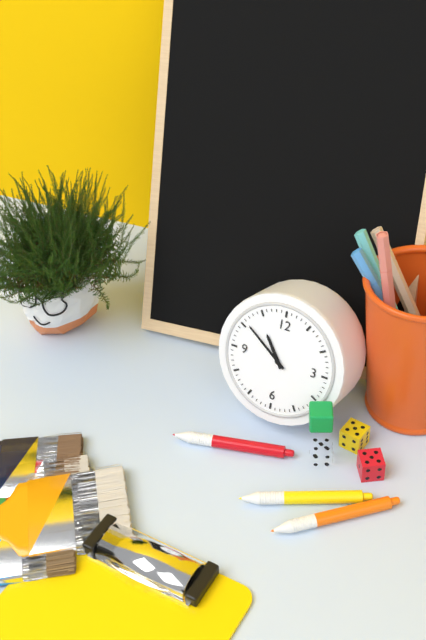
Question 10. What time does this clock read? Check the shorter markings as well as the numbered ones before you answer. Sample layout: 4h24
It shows 10h51
